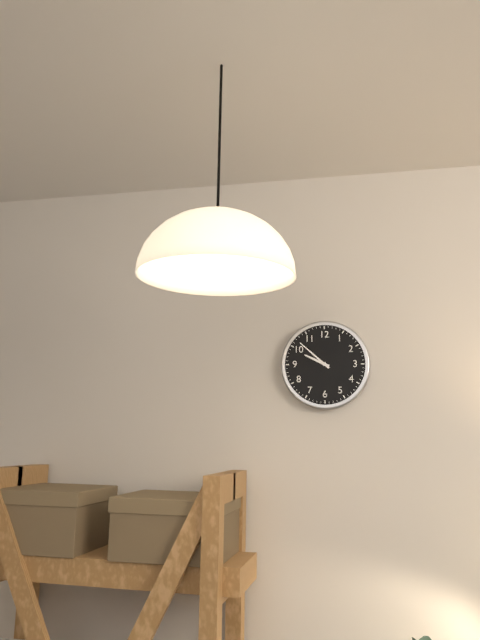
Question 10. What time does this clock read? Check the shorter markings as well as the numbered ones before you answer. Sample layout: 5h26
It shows 9h52
